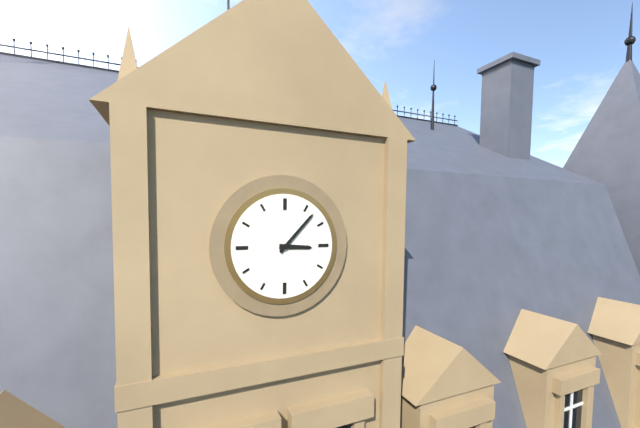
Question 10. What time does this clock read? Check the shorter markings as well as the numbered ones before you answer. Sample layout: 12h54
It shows 3h07
